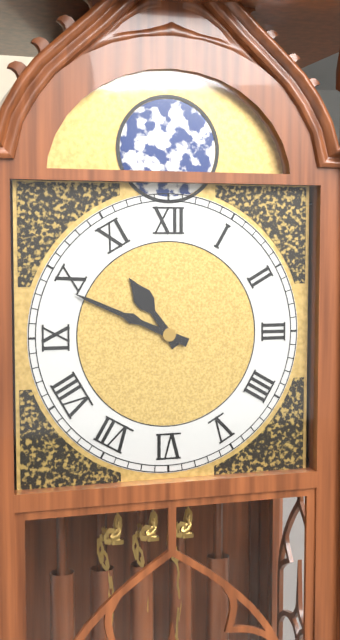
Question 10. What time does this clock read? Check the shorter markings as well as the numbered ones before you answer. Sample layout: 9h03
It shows 10h49
